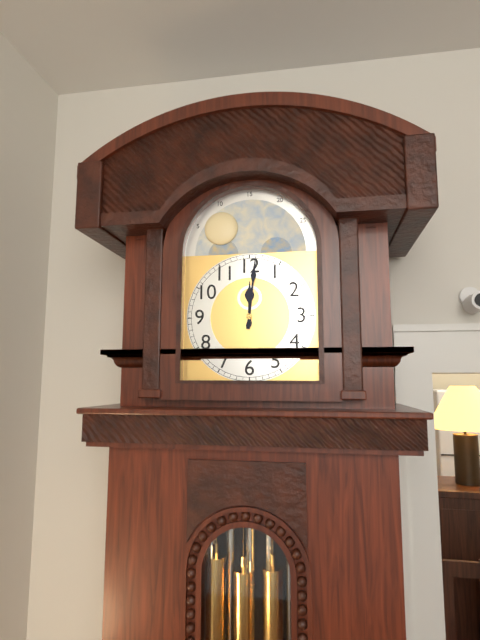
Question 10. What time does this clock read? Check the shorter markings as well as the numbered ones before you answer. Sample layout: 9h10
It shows 12h01
